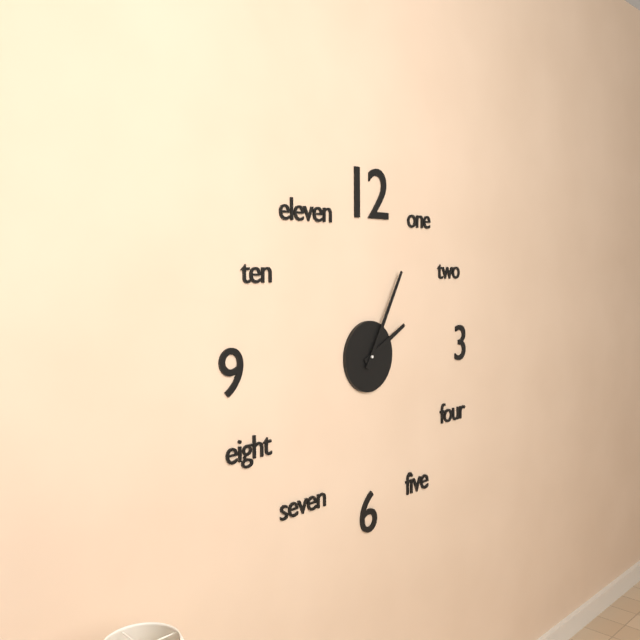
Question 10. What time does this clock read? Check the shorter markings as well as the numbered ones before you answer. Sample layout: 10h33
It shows 2h05
